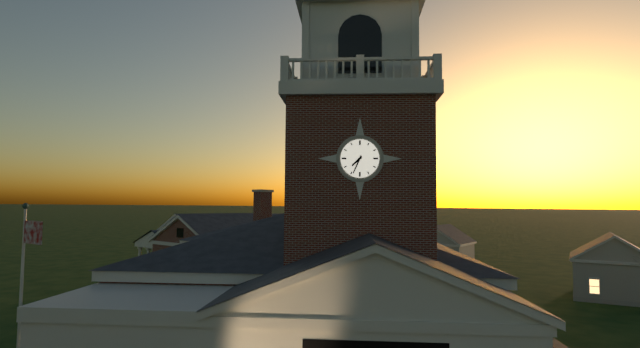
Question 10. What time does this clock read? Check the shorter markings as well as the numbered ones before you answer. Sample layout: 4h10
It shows 7h34
